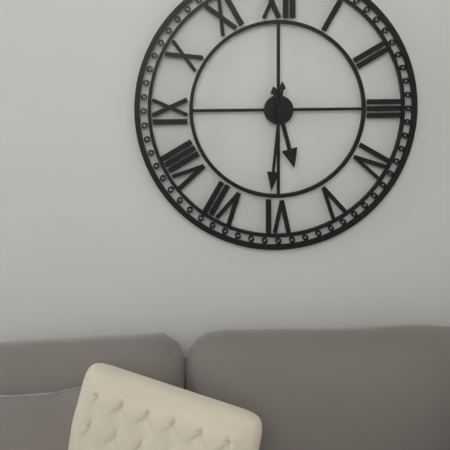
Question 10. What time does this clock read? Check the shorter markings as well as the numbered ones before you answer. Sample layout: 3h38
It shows 5h31
